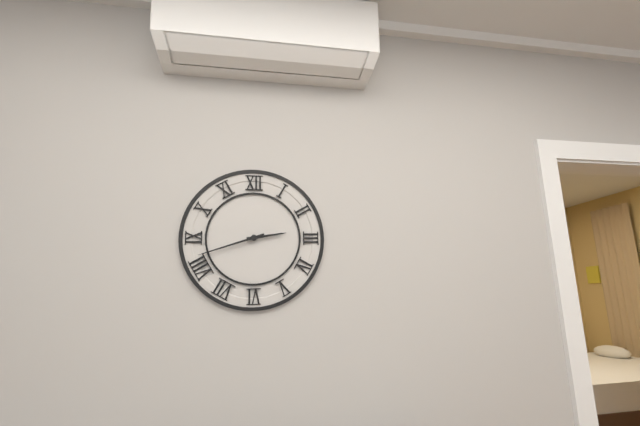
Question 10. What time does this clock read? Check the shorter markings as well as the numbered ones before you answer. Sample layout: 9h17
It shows 2h42
